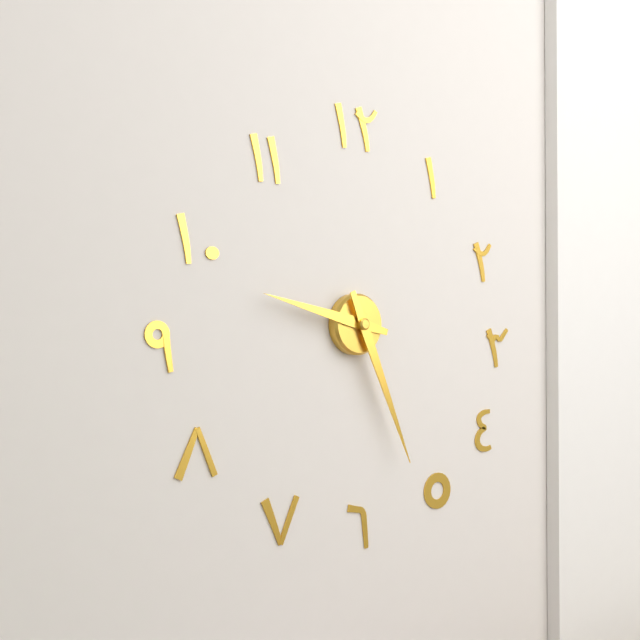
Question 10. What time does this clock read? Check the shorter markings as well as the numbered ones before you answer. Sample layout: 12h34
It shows 9h26
